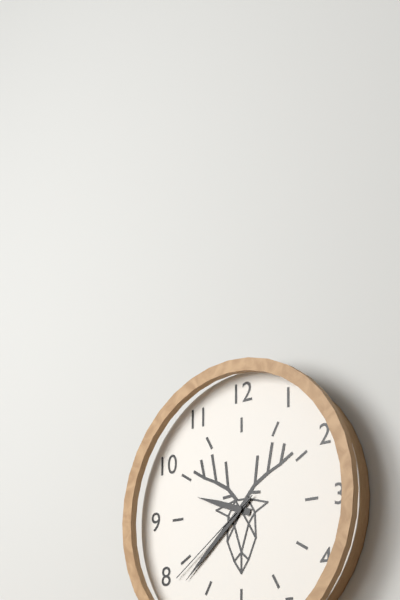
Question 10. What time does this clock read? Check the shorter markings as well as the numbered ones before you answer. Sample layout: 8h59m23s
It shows 9h38m39s
